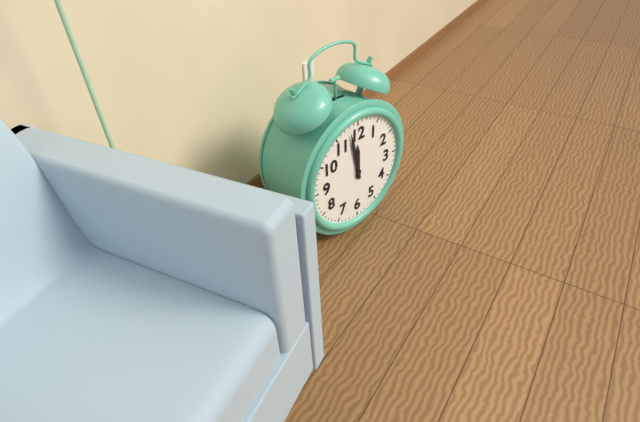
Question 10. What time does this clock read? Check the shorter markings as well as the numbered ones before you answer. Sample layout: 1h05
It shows 11h58
